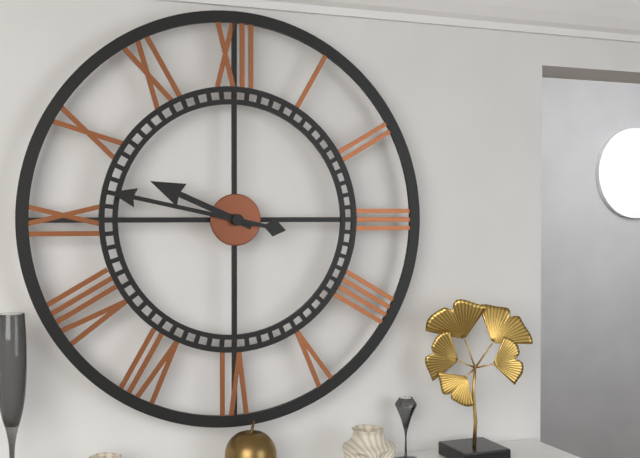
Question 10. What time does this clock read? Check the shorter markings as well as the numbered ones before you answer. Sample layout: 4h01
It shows 9h47
